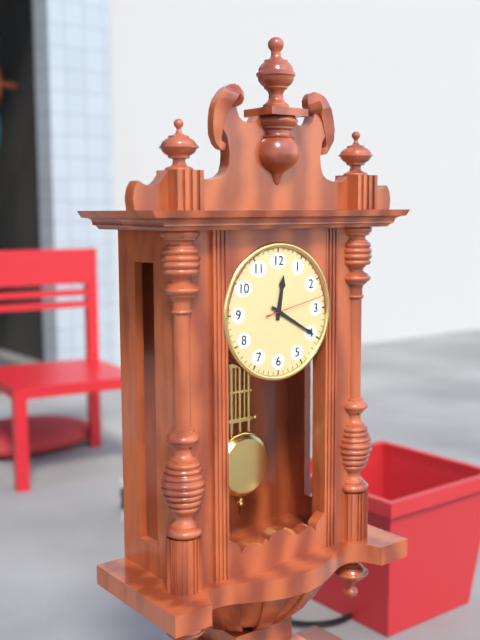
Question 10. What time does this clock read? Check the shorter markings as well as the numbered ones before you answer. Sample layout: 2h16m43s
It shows 12h20m13s
